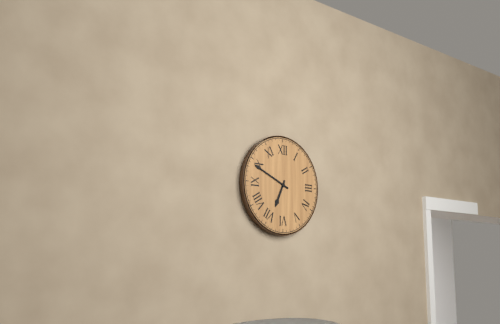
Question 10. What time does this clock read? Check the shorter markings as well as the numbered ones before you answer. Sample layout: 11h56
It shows 6h49
